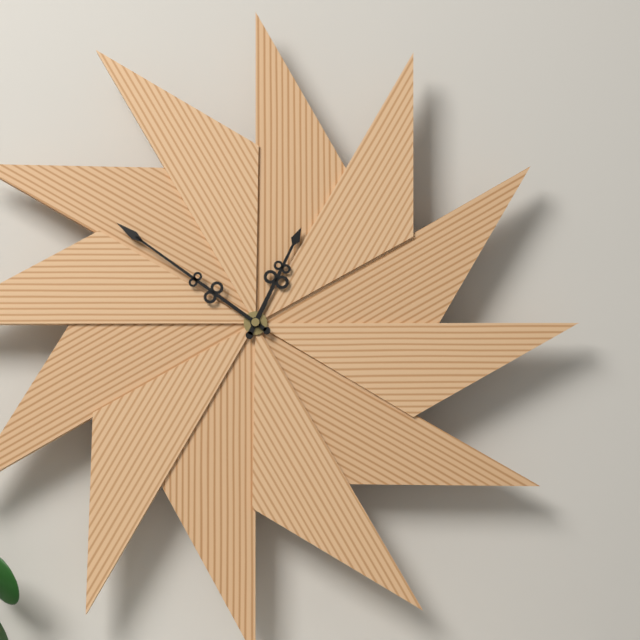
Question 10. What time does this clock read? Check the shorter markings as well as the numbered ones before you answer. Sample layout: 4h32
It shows 12h51
